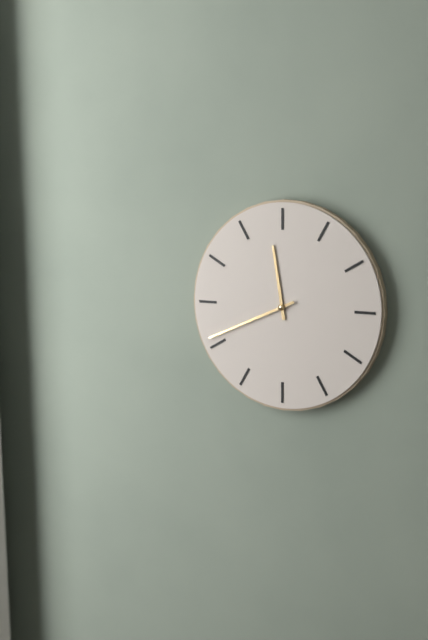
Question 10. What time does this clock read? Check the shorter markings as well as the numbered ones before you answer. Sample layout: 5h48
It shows 11h41
